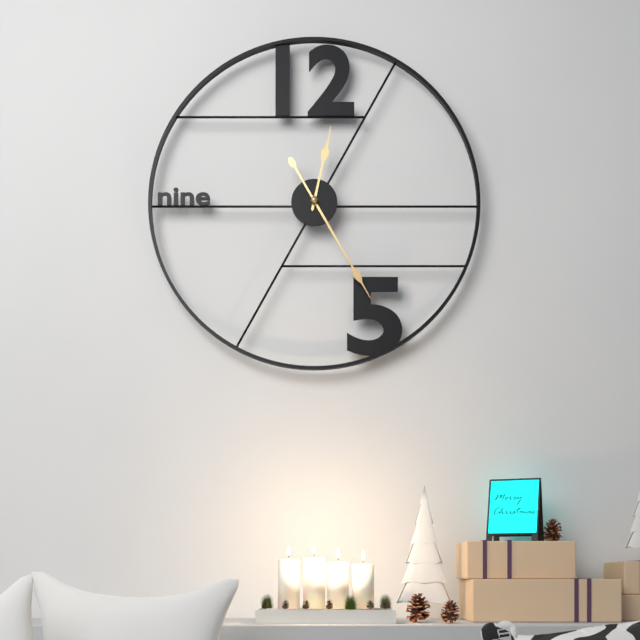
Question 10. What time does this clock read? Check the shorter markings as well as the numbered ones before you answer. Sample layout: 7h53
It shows 12h25
